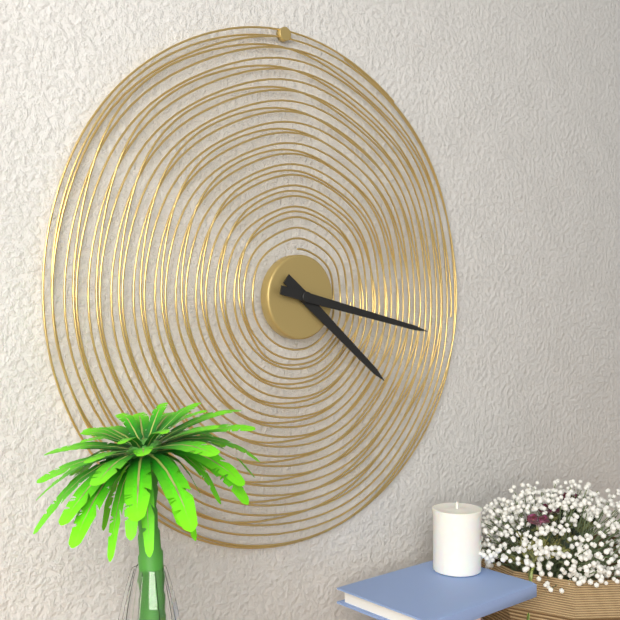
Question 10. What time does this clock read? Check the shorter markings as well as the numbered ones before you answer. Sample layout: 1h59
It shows 4h17
